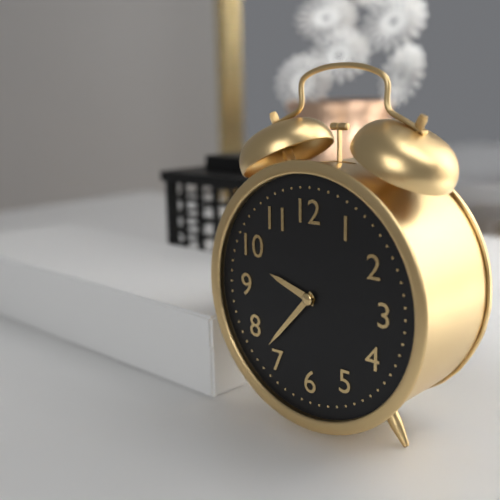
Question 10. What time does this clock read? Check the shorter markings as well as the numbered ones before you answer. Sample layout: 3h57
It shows 9h37
